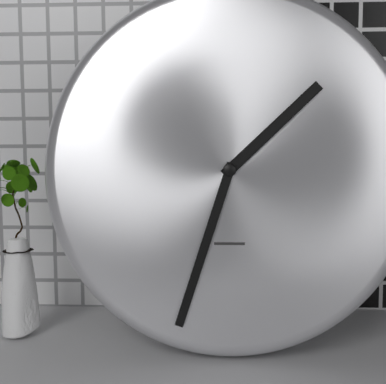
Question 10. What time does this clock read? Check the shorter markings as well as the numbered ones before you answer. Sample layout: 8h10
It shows 1h33
